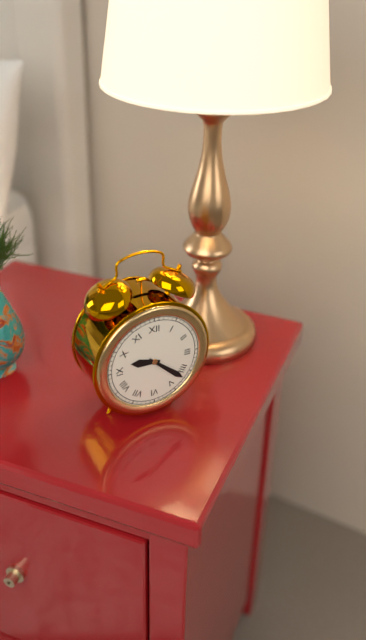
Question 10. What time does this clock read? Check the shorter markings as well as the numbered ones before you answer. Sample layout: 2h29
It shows 9h22
